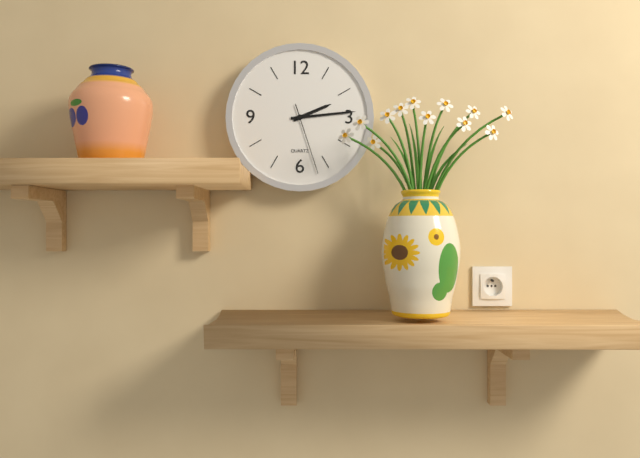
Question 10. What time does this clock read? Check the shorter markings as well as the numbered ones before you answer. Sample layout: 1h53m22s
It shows 2h14m27s
